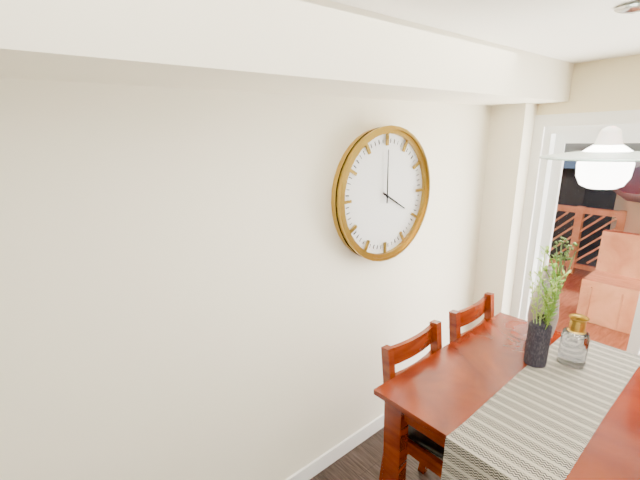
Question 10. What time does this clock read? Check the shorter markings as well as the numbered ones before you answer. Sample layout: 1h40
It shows 4h00
